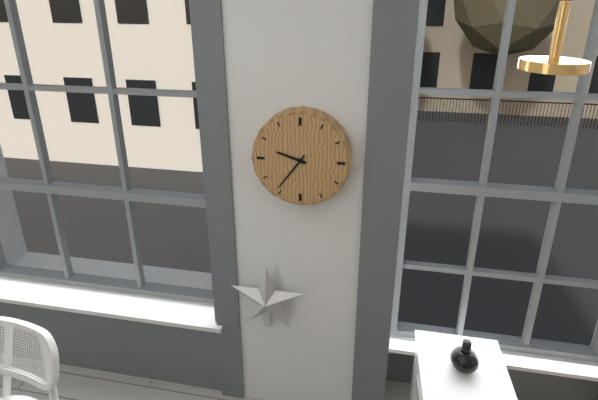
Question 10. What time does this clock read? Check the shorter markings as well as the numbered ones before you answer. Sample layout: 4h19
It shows 9h36
